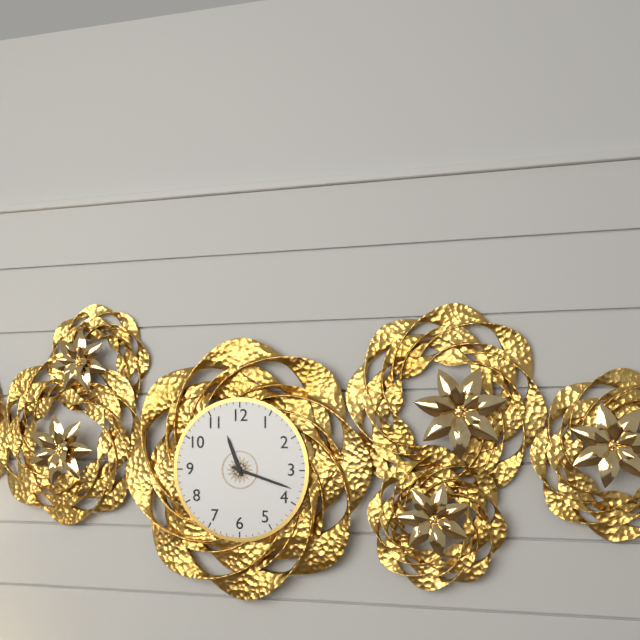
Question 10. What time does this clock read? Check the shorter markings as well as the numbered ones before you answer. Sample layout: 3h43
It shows 11h18
